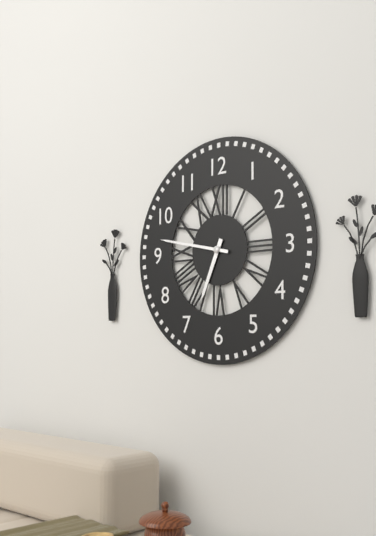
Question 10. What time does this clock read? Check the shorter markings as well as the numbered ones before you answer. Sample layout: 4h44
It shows 6h47
